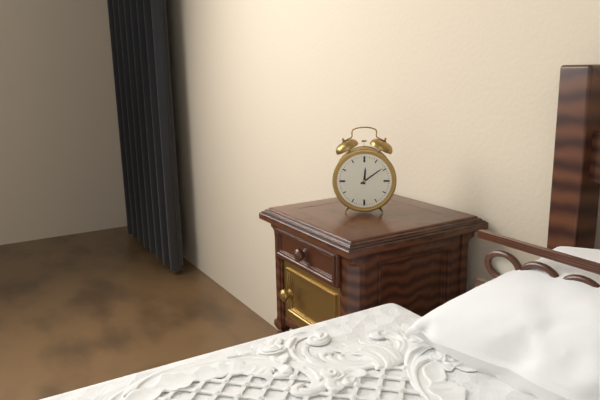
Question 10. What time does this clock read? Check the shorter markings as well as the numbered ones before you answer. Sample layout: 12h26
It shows 12h09
